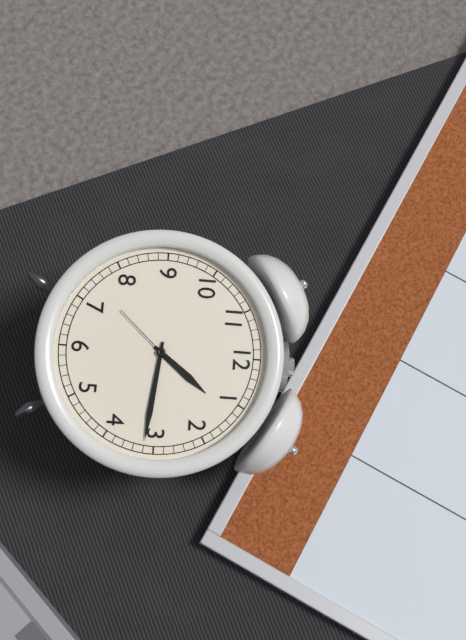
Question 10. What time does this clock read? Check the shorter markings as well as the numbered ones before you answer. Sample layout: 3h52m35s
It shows 1h16m37s
